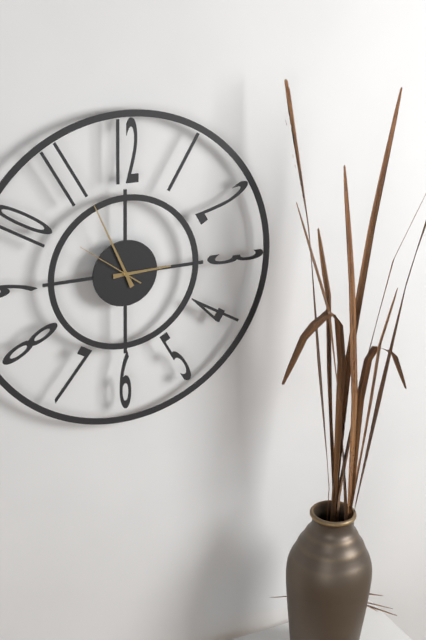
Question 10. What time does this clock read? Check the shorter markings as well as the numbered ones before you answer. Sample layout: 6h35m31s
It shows 2h56m51s
